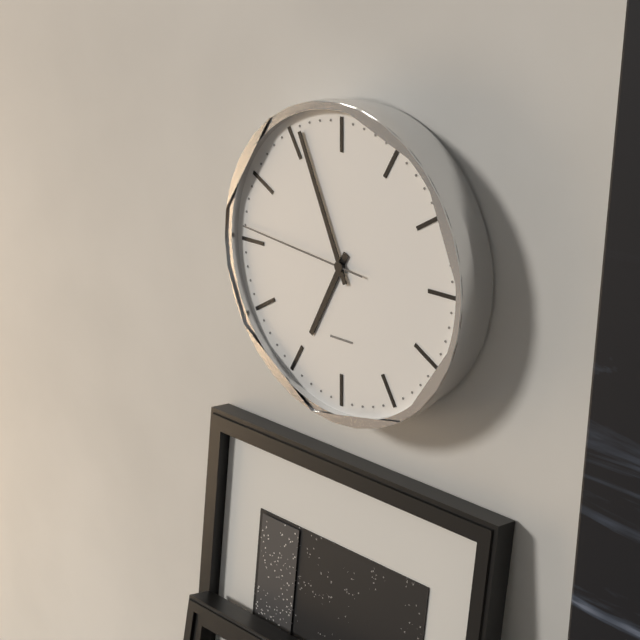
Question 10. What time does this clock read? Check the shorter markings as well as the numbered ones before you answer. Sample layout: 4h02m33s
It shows 6h56m46s
